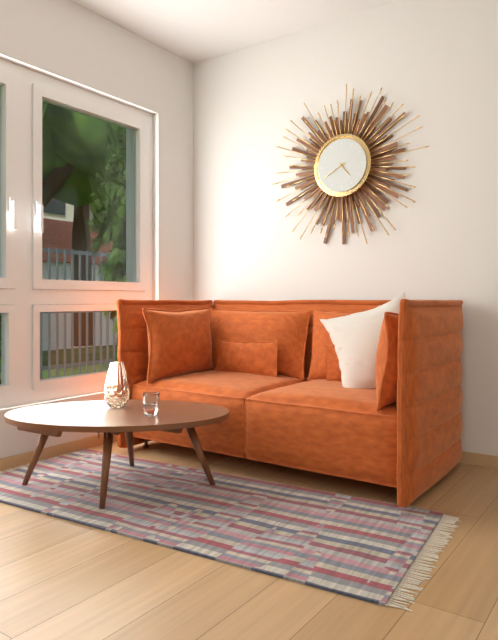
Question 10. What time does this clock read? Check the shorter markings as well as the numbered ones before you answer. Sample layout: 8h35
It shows 4h40
